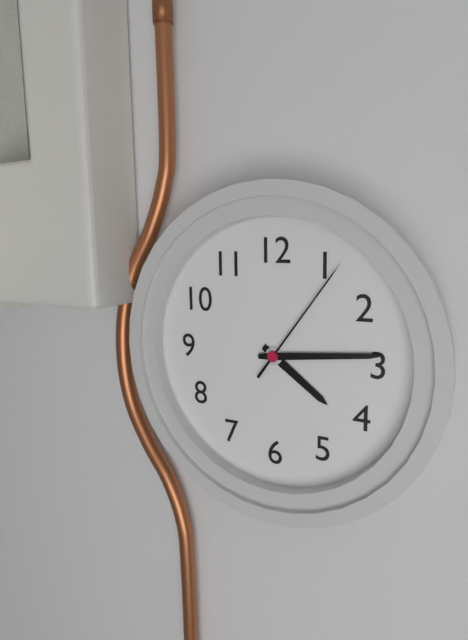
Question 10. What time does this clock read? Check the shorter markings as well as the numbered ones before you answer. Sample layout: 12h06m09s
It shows 4h14m06s
